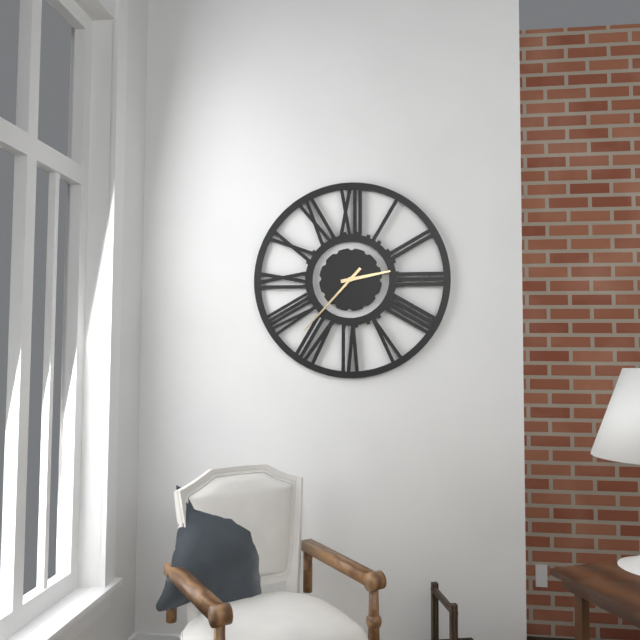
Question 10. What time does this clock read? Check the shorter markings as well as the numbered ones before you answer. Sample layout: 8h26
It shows 2h37
